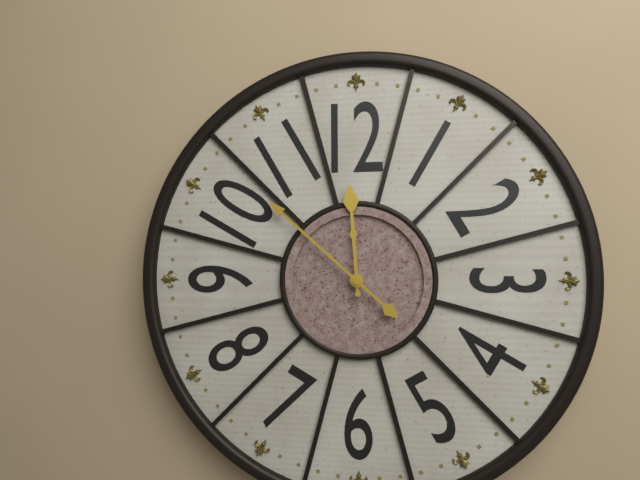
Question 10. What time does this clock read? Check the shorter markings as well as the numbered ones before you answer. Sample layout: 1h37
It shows 11h52
